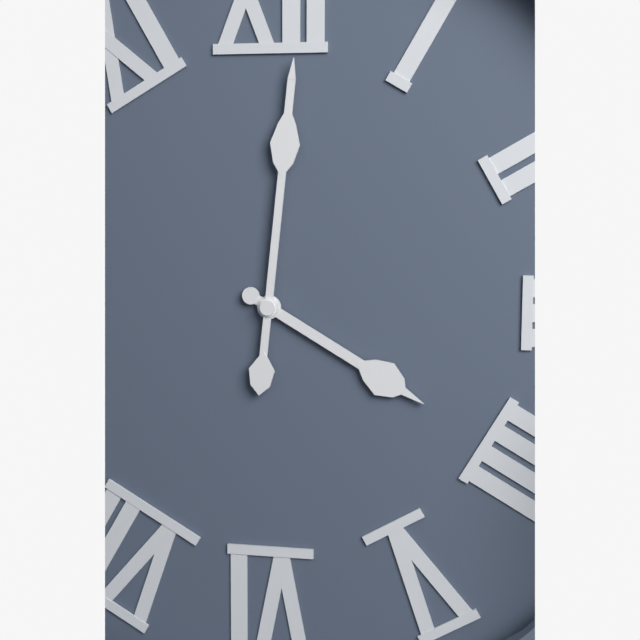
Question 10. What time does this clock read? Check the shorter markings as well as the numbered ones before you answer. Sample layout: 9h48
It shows 4h01
